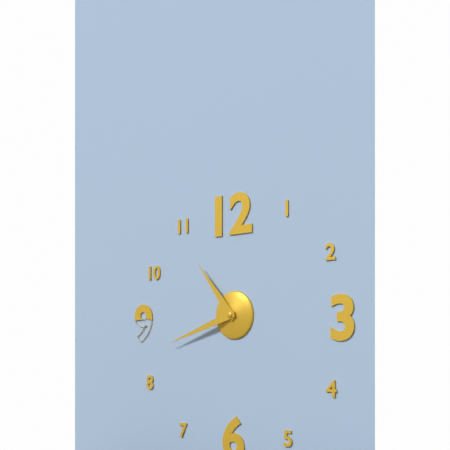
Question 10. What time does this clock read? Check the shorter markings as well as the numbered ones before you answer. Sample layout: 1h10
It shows 10h42
